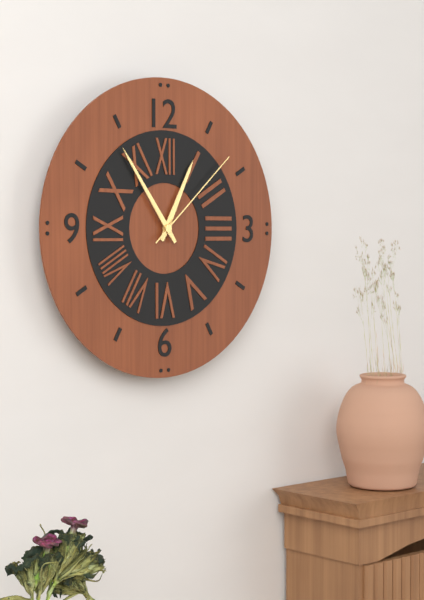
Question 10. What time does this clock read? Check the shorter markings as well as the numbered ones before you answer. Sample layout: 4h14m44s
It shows 12h54m08s
